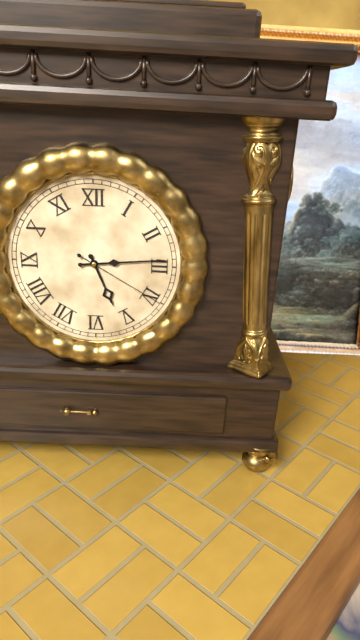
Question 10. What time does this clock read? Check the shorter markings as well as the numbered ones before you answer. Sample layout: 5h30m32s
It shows 5h14m20s
